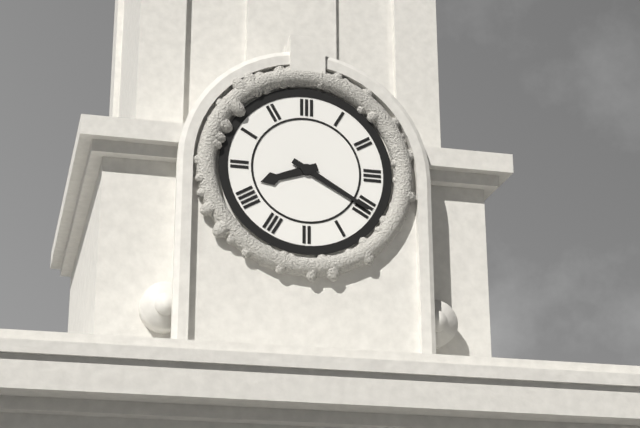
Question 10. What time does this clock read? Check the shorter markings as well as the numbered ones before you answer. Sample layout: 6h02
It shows 8h20
